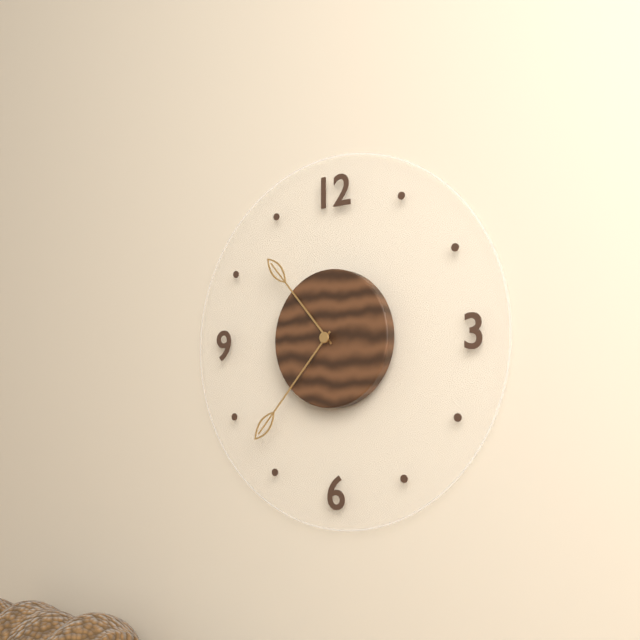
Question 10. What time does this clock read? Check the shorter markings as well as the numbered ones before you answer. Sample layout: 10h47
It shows 10h37
